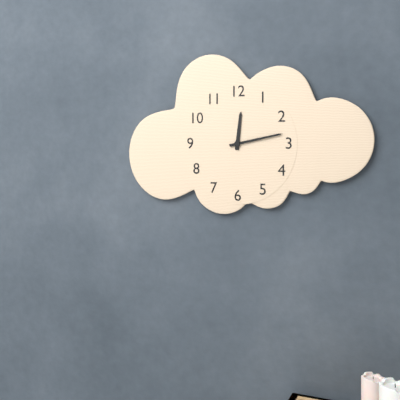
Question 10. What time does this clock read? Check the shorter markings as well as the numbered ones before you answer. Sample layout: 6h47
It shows 12h13
